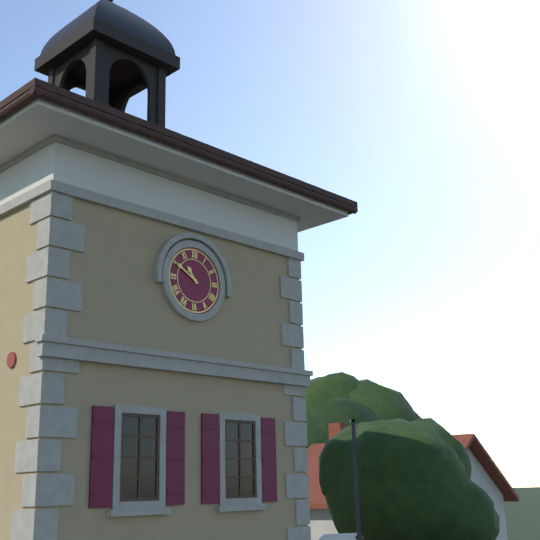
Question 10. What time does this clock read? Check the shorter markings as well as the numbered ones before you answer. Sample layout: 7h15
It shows 10h50
